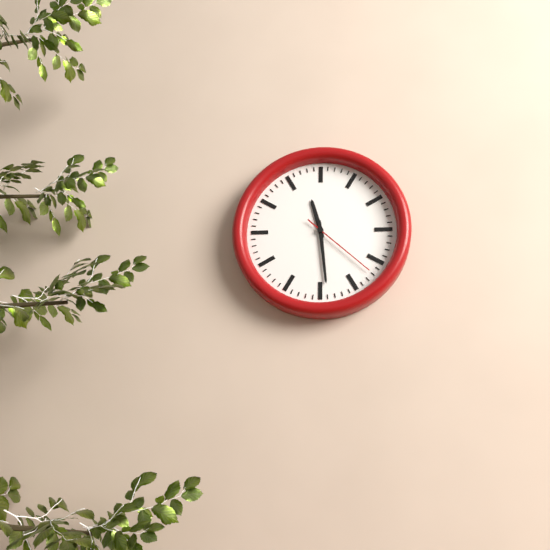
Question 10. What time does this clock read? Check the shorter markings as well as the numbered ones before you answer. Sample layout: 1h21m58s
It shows 11h29m22s
